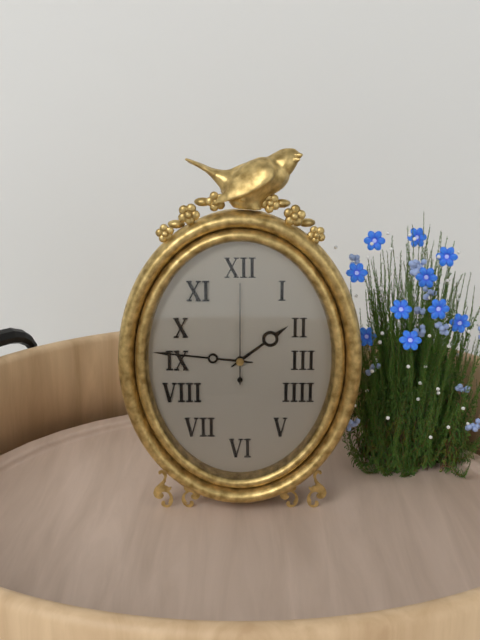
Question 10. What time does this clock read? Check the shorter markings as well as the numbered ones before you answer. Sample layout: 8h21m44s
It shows 1h46m00s
